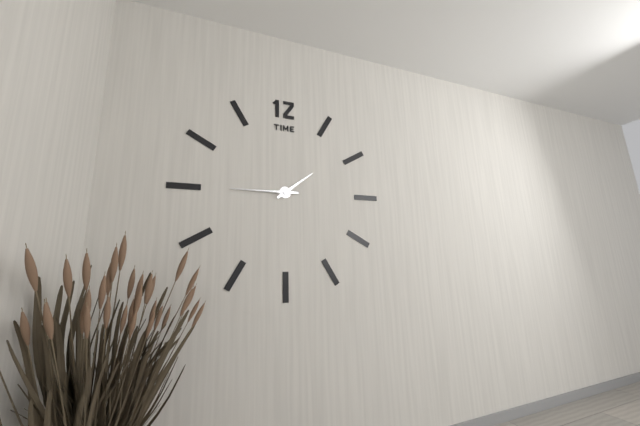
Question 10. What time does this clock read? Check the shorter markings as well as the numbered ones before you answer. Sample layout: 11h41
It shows 1h45
